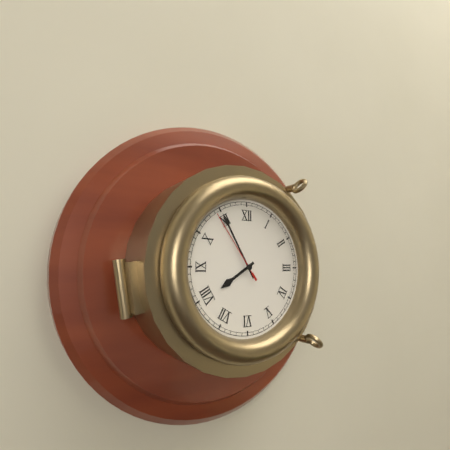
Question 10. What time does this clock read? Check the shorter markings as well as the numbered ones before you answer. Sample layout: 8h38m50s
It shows 7h55m54s
